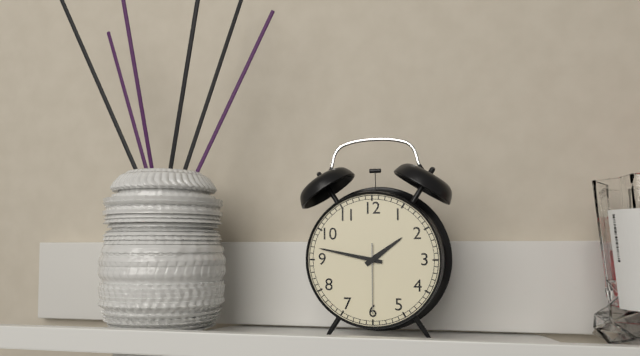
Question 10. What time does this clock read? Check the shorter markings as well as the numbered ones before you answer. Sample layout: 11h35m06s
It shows 1h47m30s
